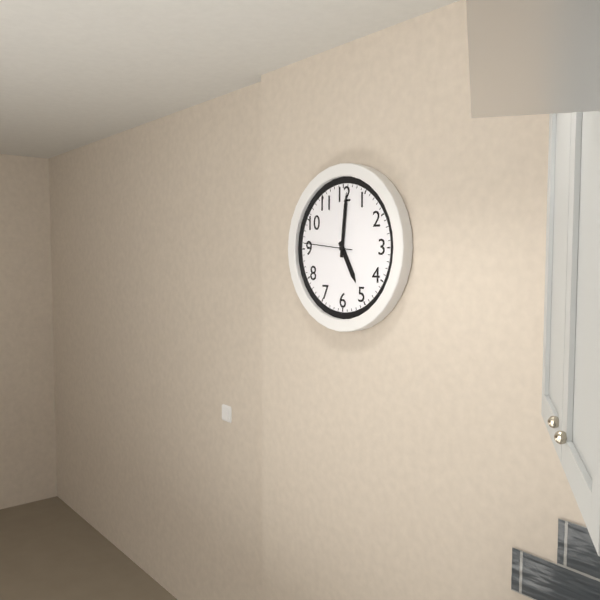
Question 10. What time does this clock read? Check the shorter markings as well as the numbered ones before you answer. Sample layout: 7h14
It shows 5h01
